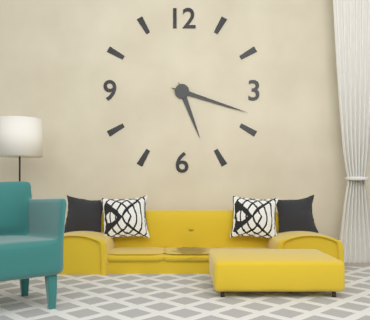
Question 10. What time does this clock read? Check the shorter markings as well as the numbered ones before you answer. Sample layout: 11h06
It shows 5h18
